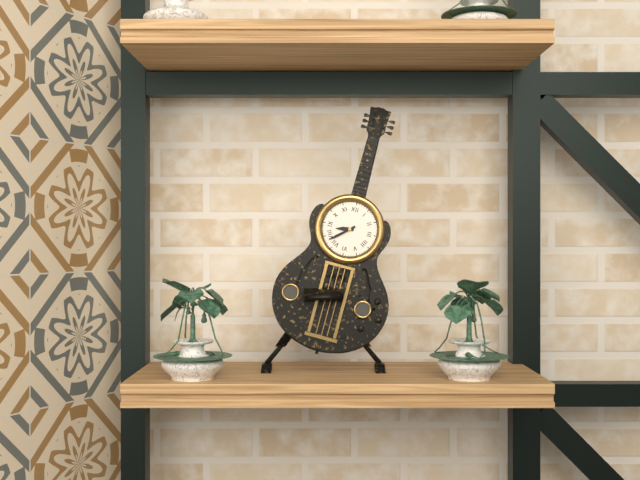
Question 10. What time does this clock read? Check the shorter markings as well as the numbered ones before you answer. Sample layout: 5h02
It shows 8h38
